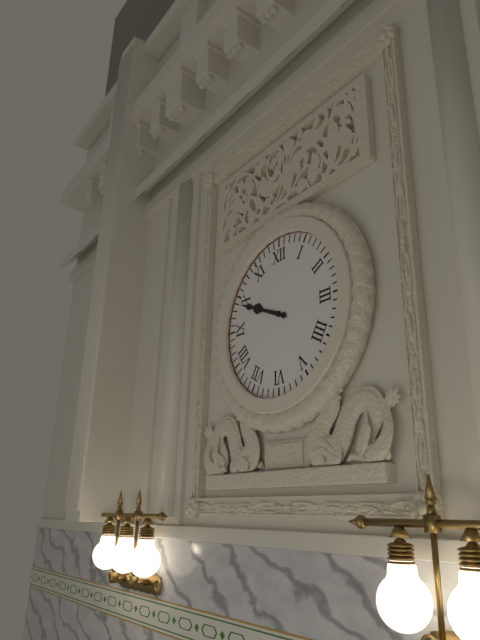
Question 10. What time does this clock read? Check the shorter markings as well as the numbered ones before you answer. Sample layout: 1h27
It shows 9h49
